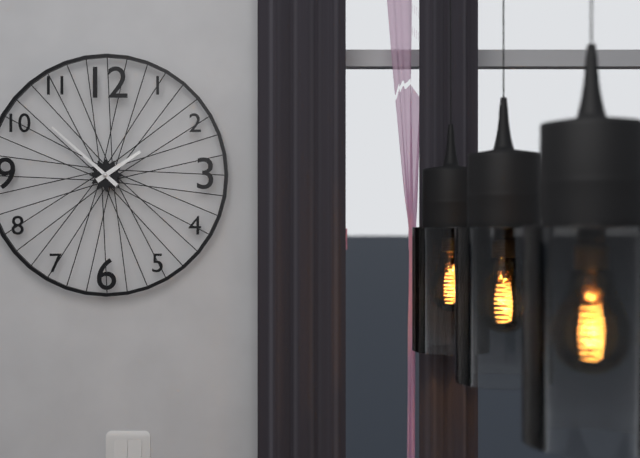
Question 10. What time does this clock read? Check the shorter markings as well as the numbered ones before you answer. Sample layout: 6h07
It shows 1h52
